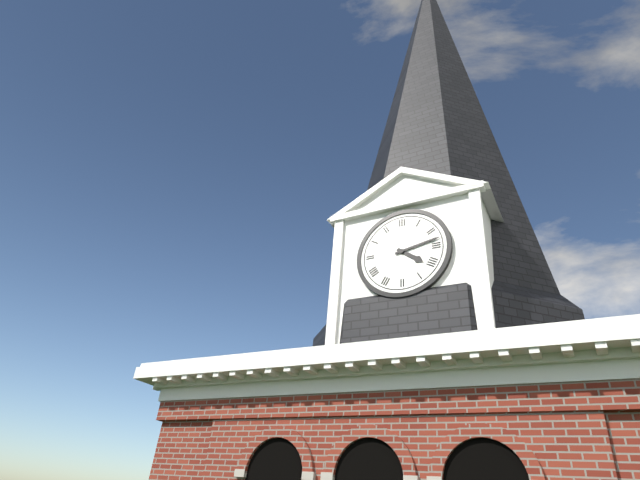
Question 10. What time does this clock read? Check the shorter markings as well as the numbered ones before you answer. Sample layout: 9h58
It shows 4h13
